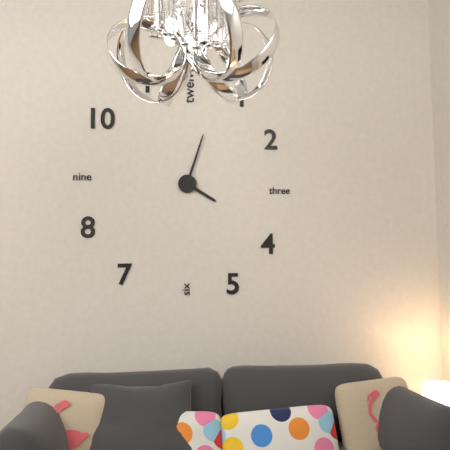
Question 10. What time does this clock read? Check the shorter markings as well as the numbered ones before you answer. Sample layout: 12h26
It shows 4h03
